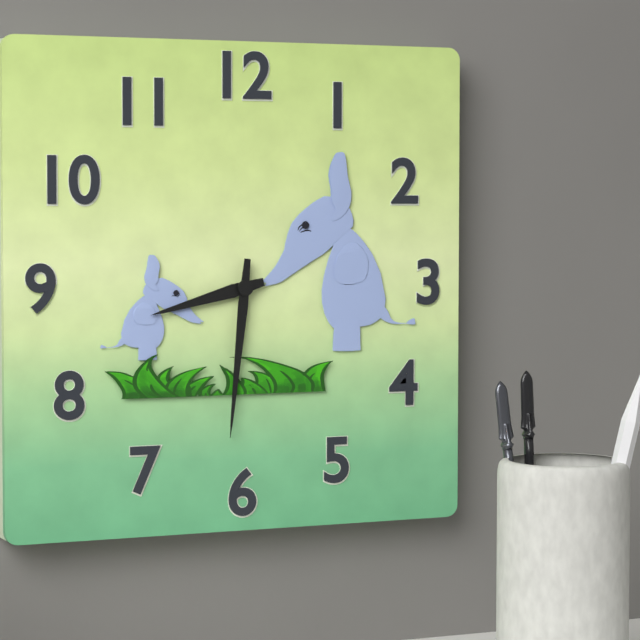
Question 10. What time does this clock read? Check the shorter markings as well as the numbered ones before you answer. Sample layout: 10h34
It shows 8h31
